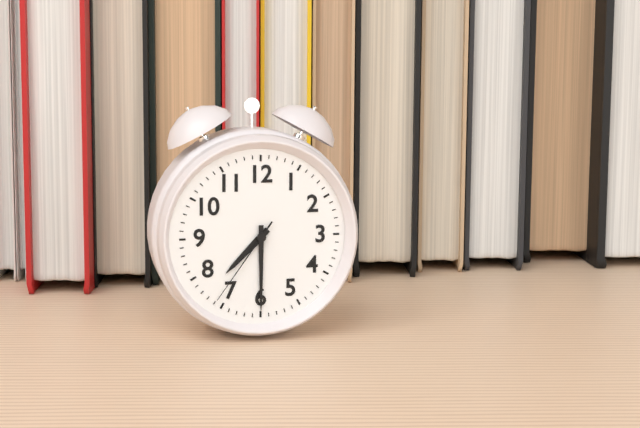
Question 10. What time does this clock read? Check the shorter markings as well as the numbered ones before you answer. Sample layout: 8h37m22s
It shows 7h30m36s
